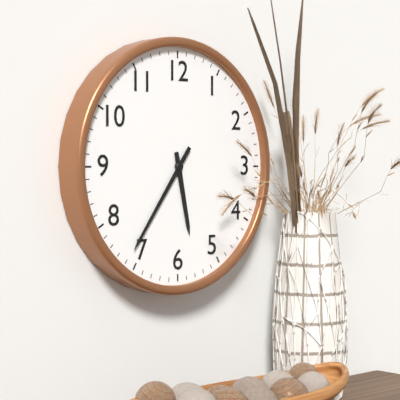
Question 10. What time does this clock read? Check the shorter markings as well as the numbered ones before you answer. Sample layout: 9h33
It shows 5h36
